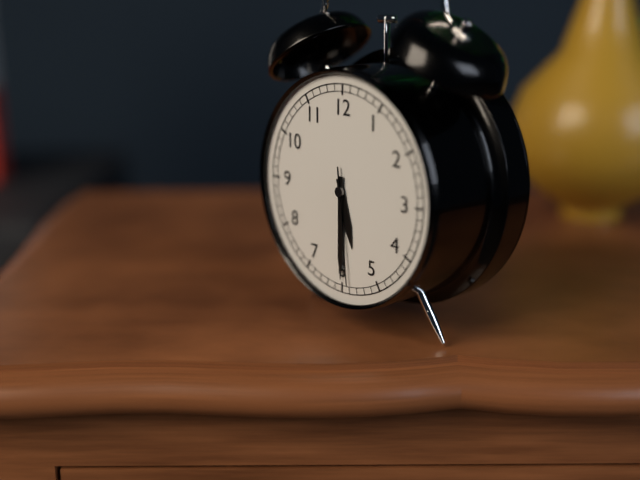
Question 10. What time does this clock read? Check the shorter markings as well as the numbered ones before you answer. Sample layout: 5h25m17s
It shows 5h30m29s
